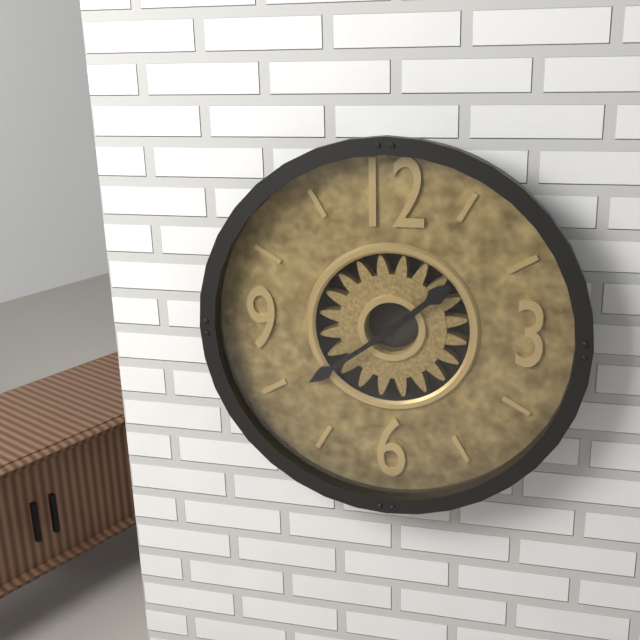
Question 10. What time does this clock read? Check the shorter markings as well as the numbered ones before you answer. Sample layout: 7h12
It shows 1h39
